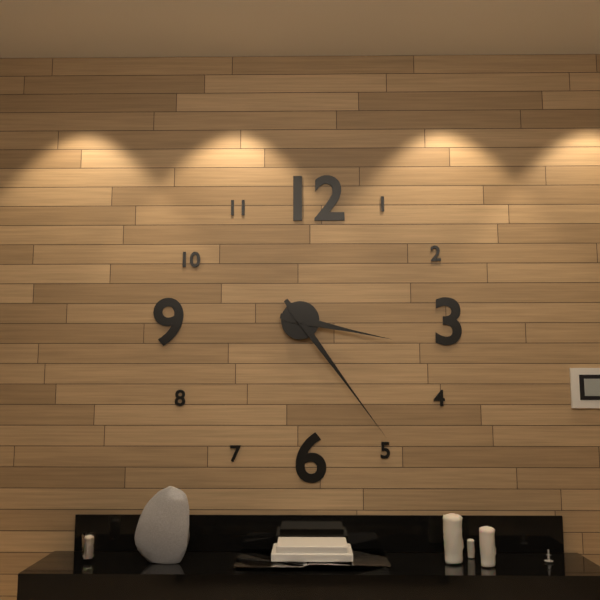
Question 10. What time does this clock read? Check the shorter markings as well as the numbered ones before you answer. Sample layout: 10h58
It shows 3h24
